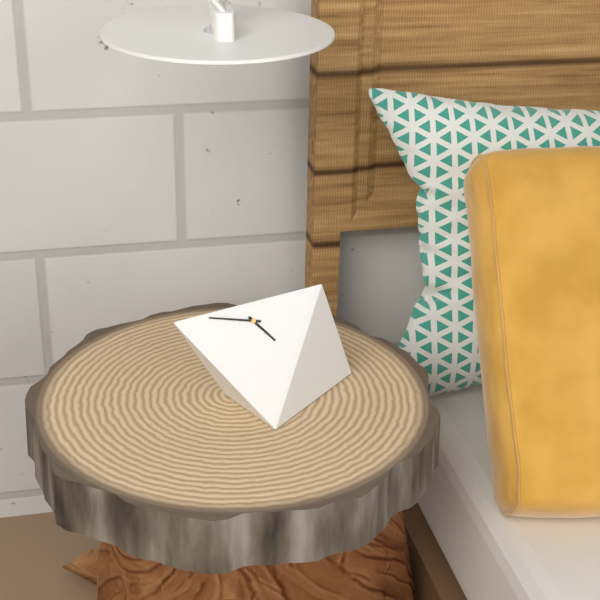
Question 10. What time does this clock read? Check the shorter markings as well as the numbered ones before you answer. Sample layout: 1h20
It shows 4h48
